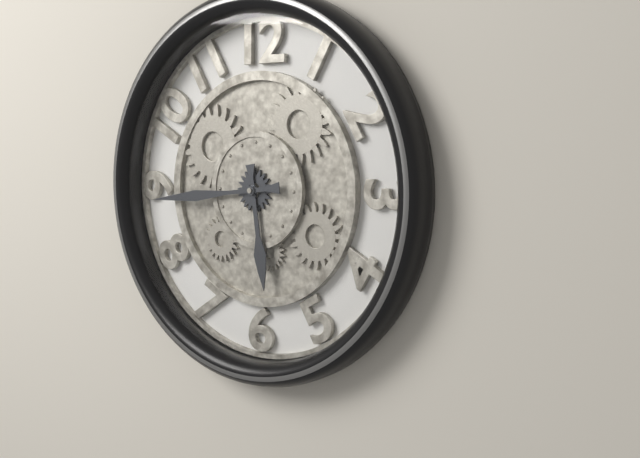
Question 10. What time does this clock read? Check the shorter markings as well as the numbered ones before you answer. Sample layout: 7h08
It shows 5h44
